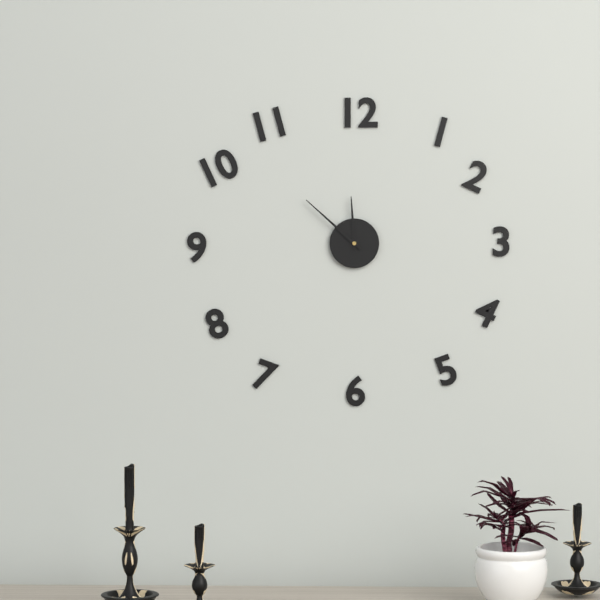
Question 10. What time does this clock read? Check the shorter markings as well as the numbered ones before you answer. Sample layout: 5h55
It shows 11h52
